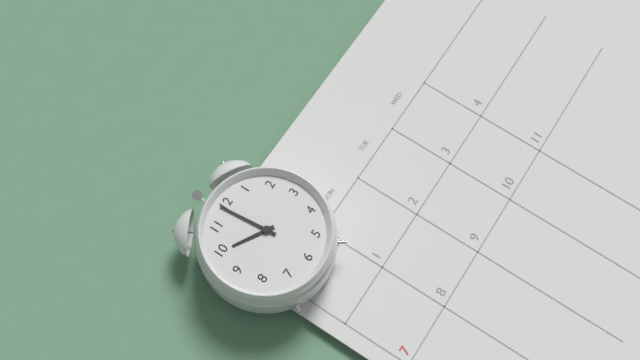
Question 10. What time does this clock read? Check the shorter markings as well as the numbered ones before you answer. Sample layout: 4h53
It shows 9h59
